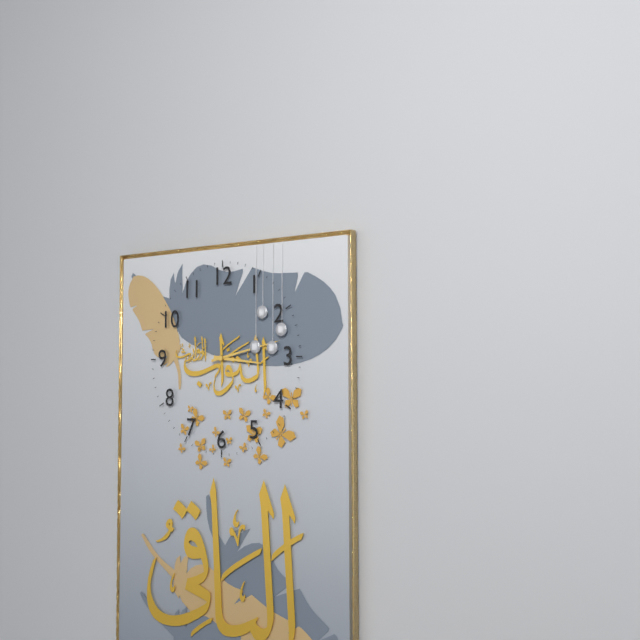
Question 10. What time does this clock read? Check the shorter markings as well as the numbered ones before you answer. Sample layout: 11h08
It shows 3h13
